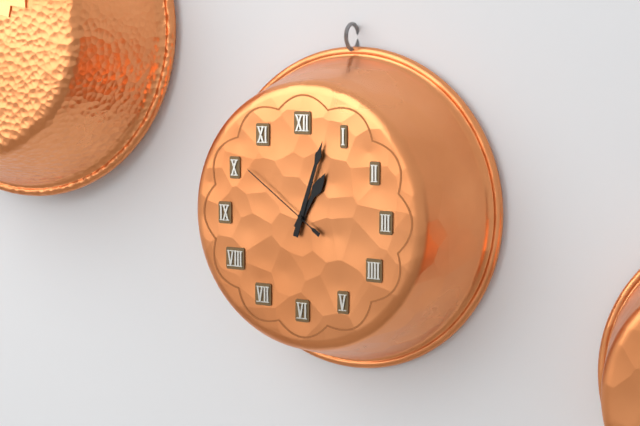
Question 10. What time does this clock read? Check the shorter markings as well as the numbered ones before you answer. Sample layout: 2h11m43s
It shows 1h03m51s
